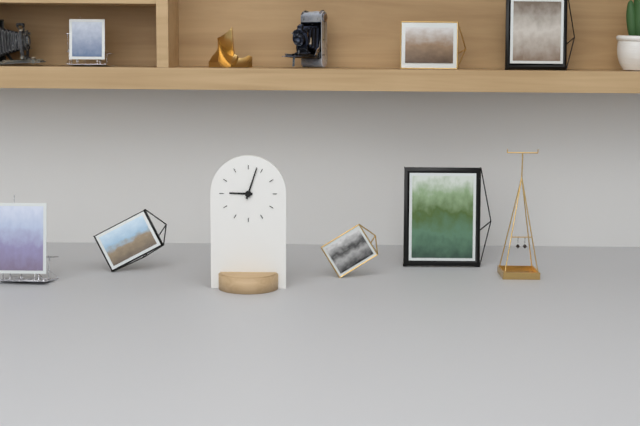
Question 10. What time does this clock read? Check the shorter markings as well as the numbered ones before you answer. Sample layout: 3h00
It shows 9h03
